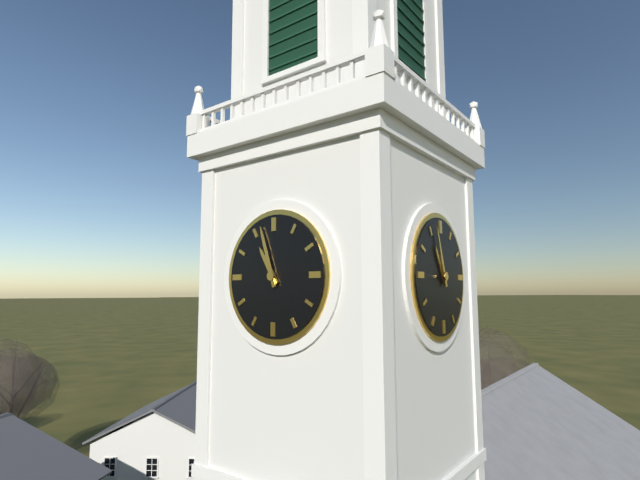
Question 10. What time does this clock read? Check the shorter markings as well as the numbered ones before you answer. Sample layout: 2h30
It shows 10h57
